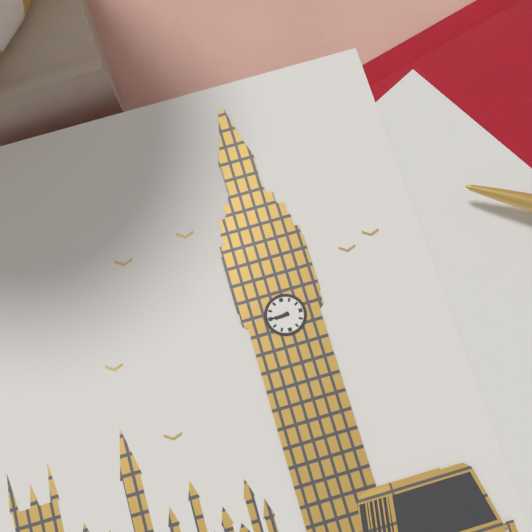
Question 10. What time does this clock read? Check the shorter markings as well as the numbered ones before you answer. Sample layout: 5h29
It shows 8h45
